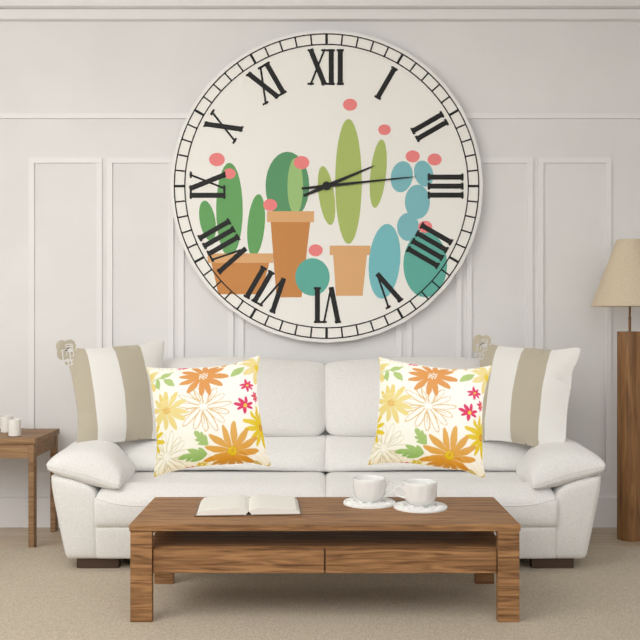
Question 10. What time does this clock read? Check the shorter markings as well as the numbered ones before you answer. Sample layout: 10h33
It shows 2h14
